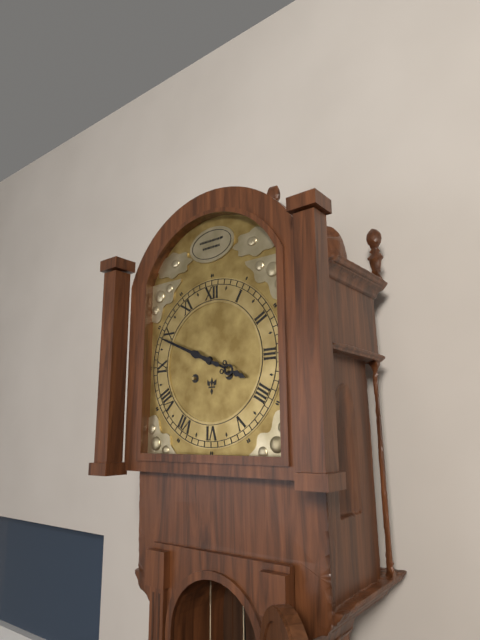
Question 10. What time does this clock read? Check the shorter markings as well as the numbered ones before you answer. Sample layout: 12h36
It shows 3h49
